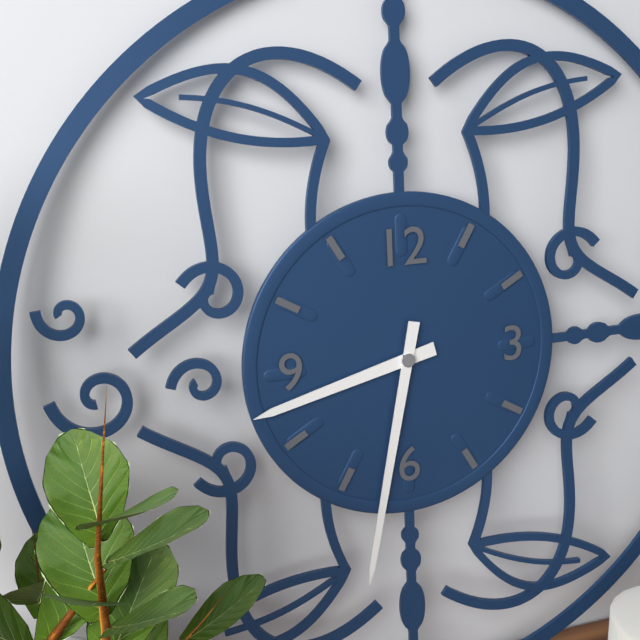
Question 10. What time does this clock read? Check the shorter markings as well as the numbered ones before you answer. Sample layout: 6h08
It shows 8h32
